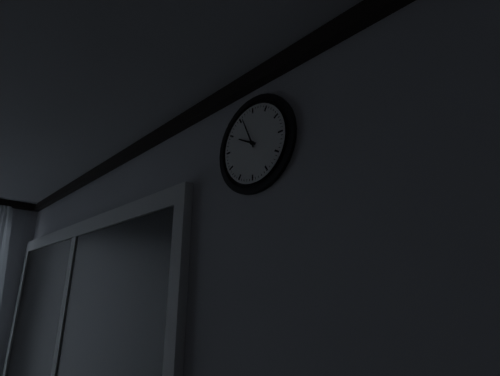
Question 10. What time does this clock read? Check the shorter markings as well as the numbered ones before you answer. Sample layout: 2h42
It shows 9h56
